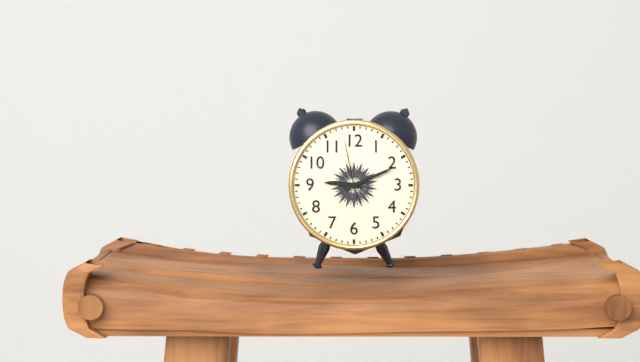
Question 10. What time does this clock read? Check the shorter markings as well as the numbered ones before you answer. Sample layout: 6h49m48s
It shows 9h11m58s
